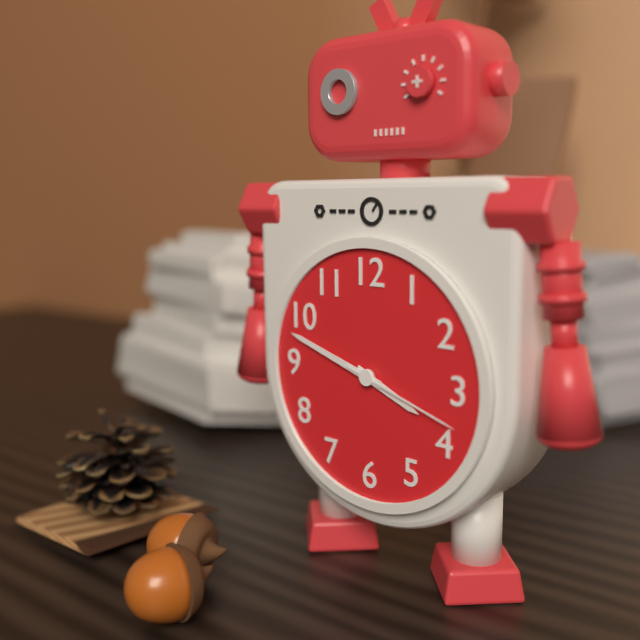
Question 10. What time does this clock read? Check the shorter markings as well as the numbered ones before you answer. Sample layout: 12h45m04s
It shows 3h48m18s
